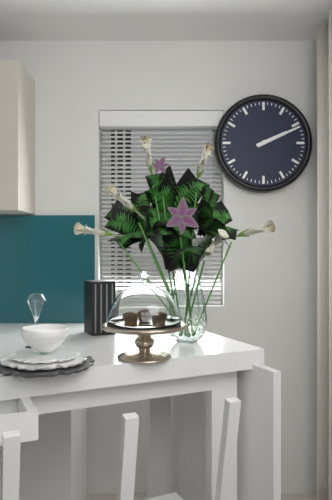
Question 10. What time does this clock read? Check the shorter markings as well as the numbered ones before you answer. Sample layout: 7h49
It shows 2h11
